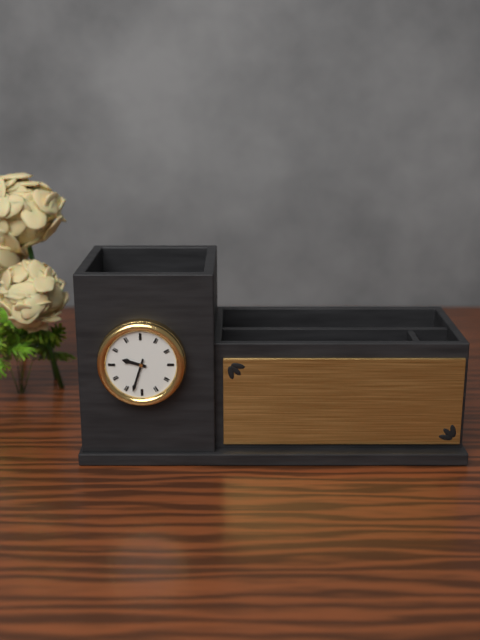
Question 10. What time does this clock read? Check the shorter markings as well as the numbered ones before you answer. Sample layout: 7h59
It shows 9h33
